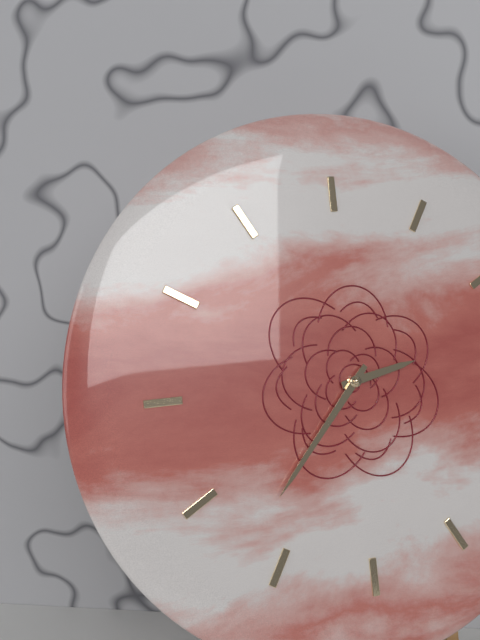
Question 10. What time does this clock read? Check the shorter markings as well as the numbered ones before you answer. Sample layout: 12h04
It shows 2h37
